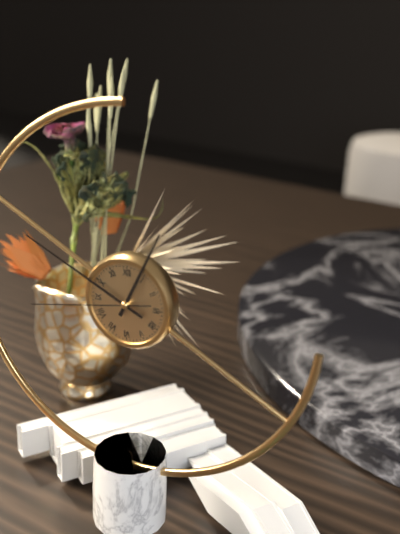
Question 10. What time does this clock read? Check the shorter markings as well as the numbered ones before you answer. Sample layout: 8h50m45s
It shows 12h49m43s
